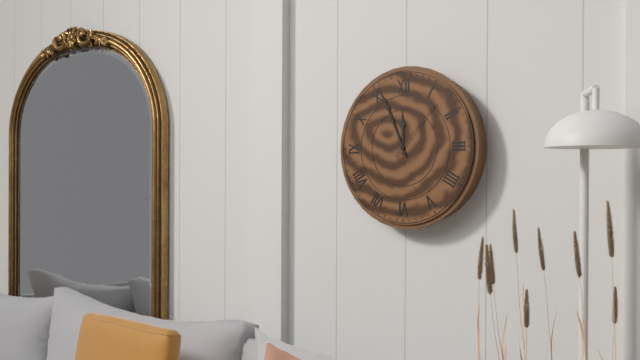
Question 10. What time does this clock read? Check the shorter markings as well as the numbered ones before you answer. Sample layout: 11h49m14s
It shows 11h56m07s
